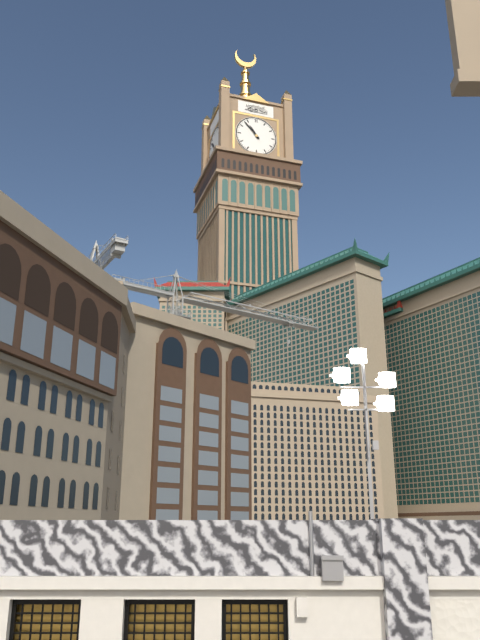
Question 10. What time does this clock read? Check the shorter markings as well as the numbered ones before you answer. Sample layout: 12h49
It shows 10h53
